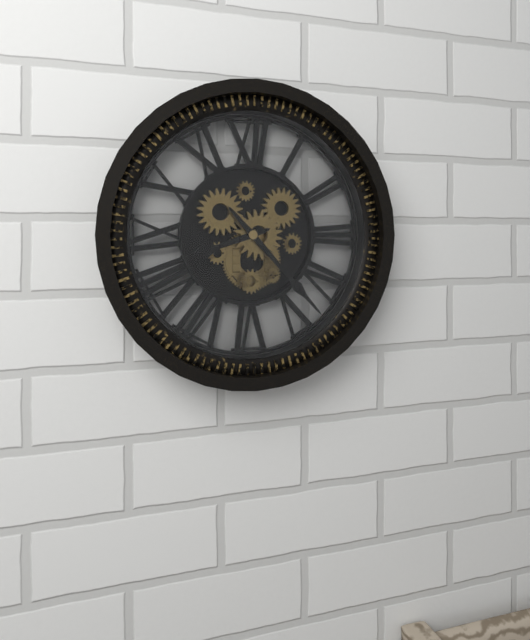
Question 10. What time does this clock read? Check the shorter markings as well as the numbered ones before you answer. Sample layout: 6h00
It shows 8h23
